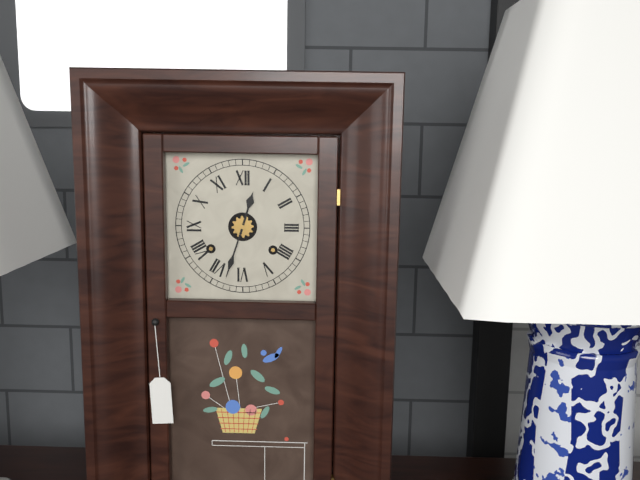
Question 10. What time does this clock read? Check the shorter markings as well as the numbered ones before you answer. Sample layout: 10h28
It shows 12h33
